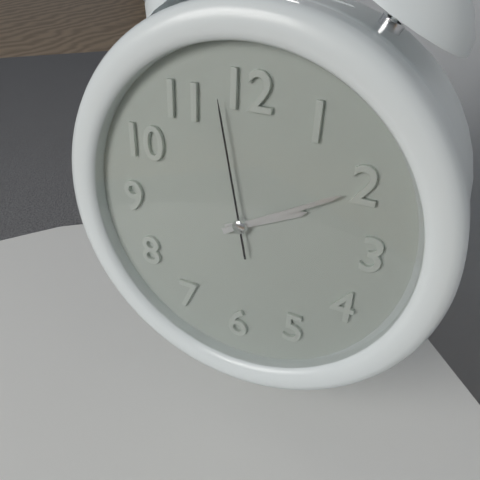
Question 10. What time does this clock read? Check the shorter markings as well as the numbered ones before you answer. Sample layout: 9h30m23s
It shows 2h10m58s
